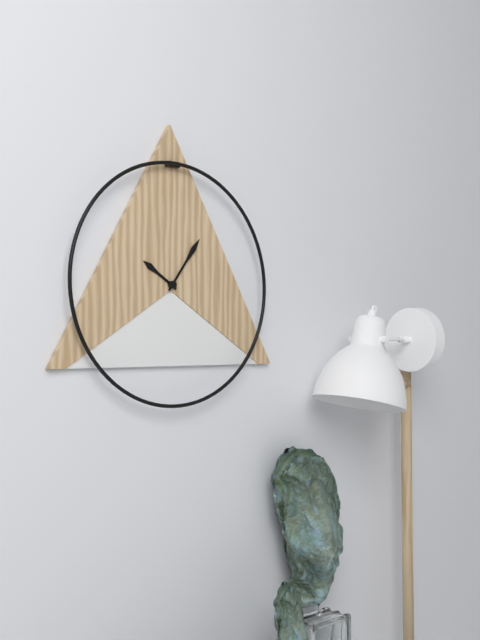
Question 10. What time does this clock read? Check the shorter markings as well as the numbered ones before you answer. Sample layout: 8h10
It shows 10h06
